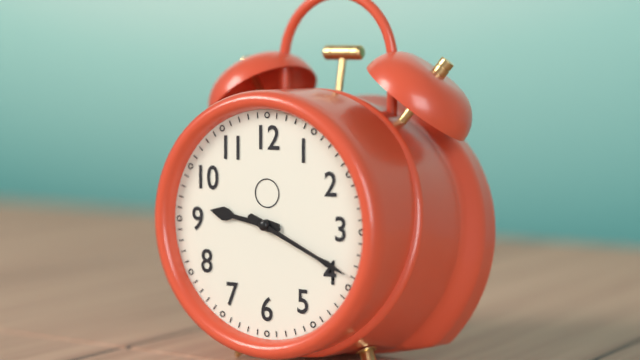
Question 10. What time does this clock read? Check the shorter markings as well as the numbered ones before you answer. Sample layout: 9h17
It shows 9h19
